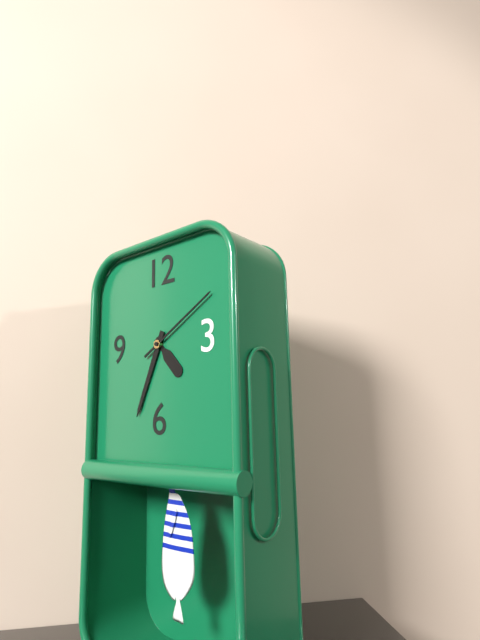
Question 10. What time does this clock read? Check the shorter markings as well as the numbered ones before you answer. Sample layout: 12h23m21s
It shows 4h34m10s
